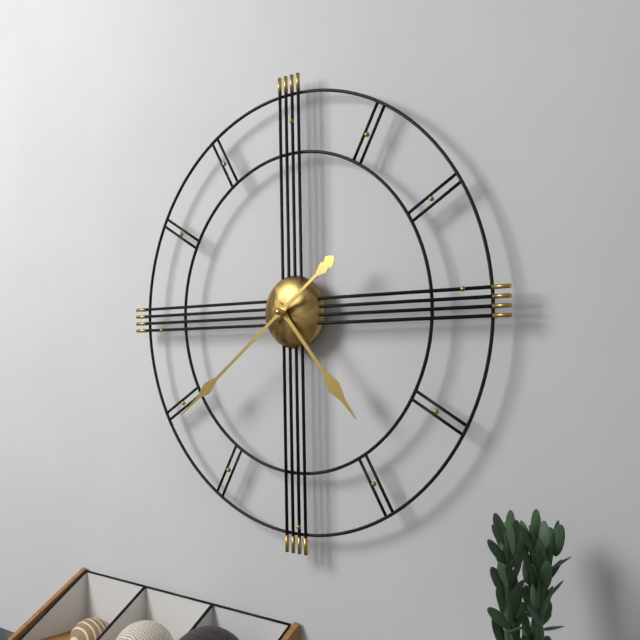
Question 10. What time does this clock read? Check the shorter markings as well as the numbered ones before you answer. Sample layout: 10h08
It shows 4h39
